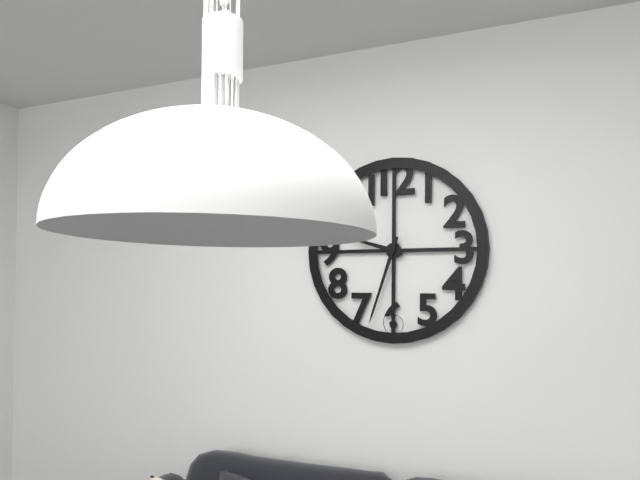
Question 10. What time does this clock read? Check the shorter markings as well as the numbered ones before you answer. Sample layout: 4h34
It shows 9h33
